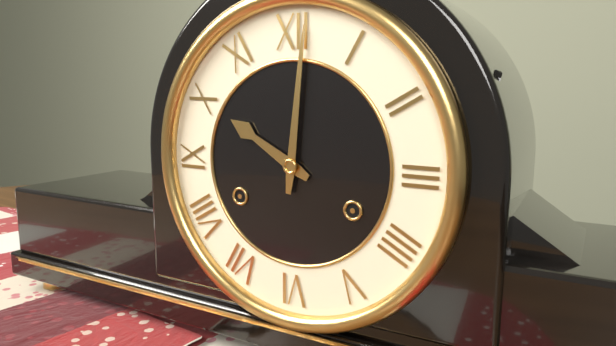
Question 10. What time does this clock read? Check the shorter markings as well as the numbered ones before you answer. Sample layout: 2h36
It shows 10h01
